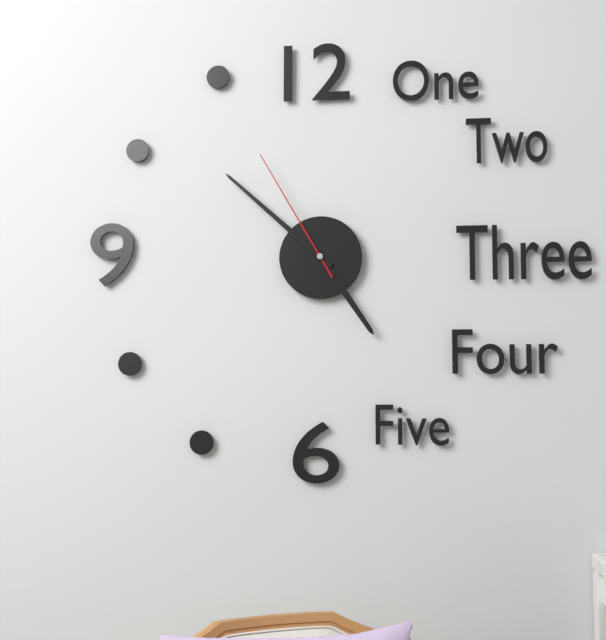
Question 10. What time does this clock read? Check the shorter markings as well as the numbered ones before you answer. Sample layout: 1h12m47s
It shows 4h52m55s
